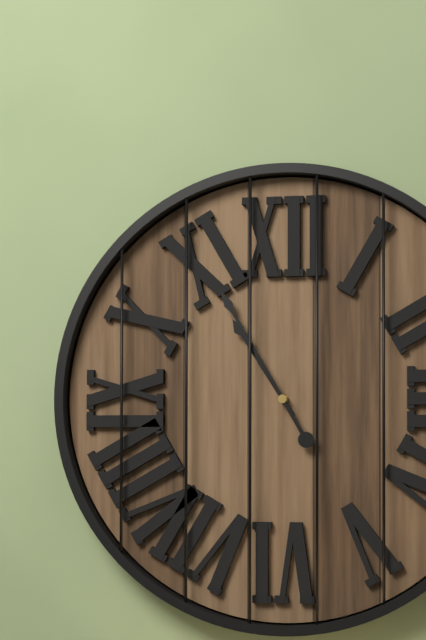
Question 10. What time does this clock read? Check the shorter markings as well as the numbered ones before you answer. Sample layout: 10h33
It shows 10h55
